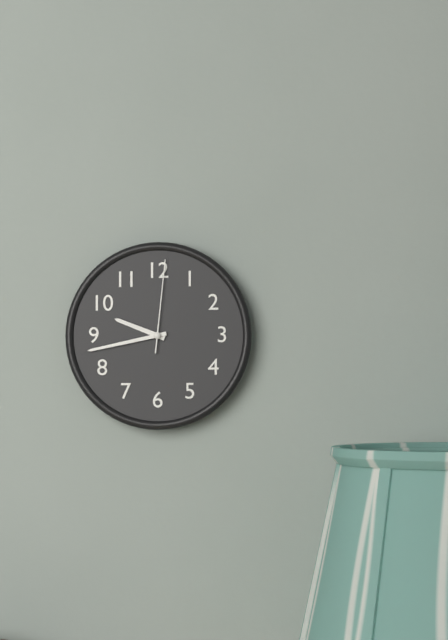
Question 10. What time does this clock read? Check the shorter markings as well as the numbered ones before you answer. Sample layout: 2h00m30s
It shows 9h43m01s
